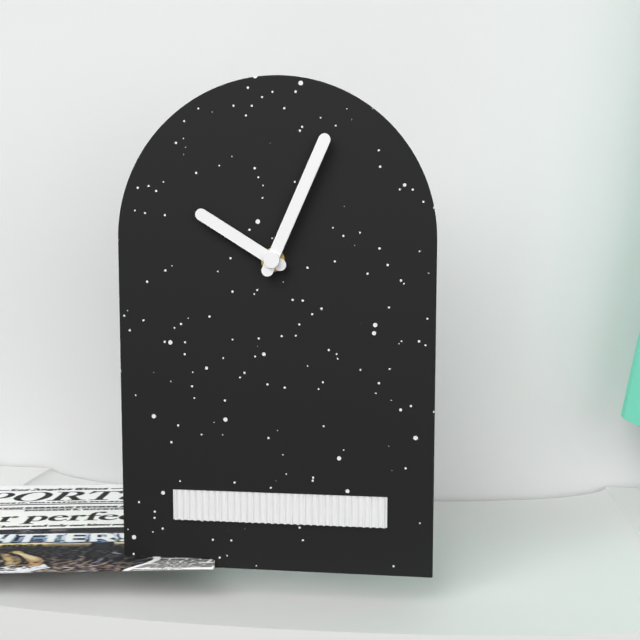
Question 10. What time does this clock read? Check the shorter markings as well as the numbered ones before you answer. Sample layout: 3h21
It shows 10h04
